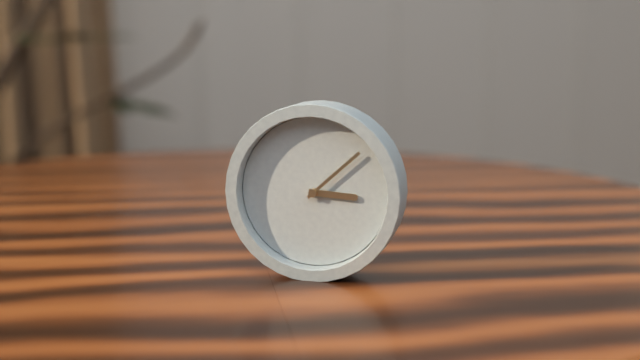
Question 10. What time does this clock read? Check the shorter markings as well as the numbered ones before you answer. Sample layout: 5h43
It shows 3h08
